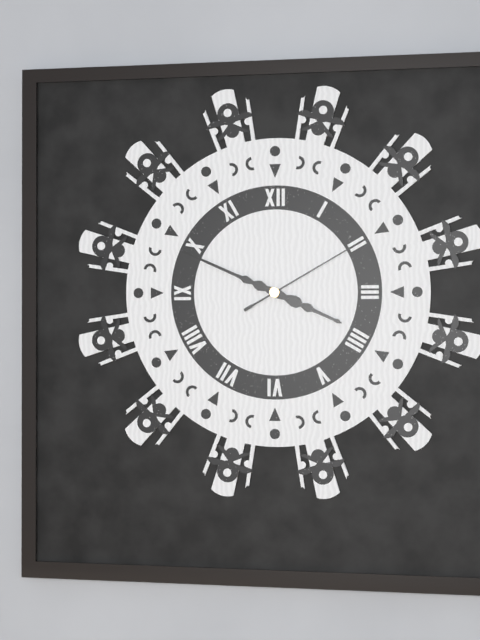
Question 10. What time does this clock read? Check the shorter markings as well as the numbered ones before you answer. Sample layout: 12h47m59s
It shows 3h49m10s
